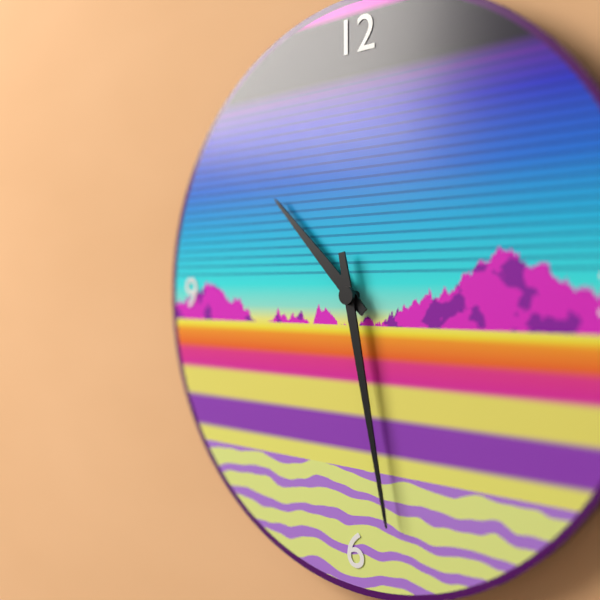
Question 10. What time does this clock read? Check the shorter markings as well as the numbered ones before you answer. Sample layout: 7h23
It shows 10h28
